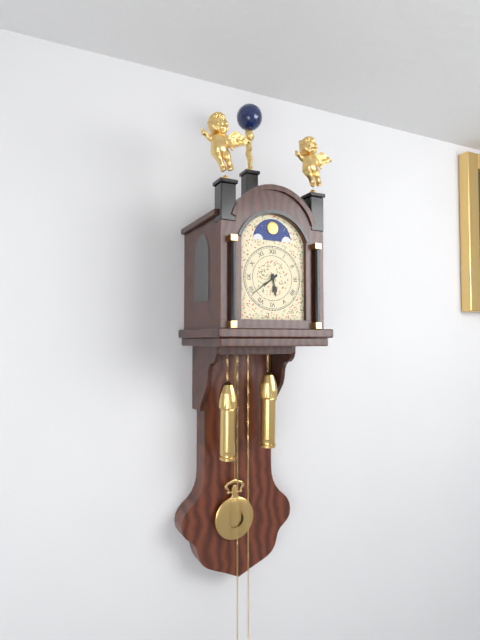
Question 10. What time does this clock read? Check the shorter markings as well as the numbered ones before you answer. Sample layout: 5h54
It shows 5h39
